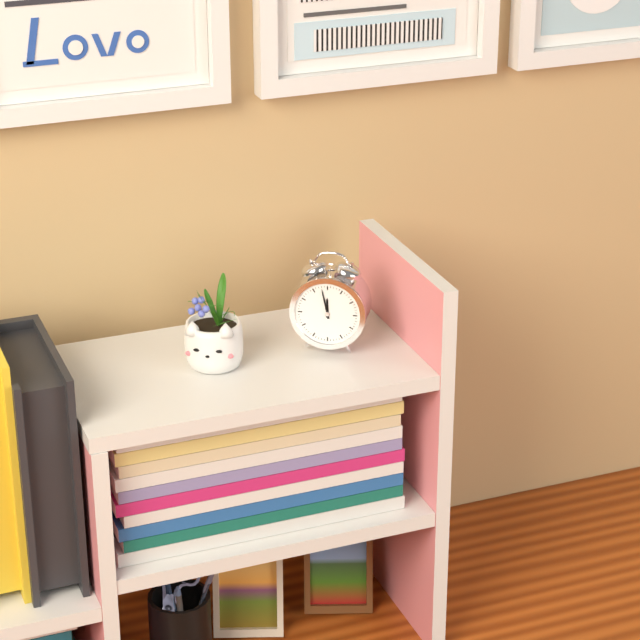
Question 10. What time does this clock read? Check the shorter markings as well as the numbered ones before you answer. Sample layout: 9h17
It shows 11h58
